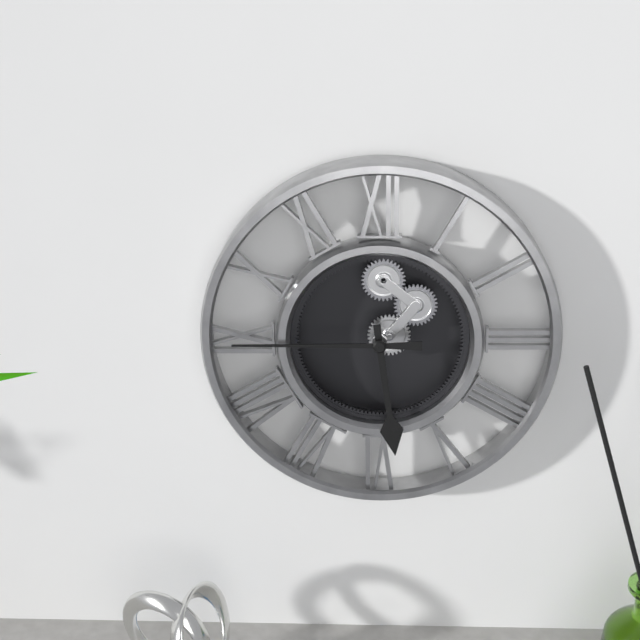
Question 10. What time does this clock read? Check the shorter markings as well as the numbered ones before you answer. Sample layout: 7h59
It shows 5h45
